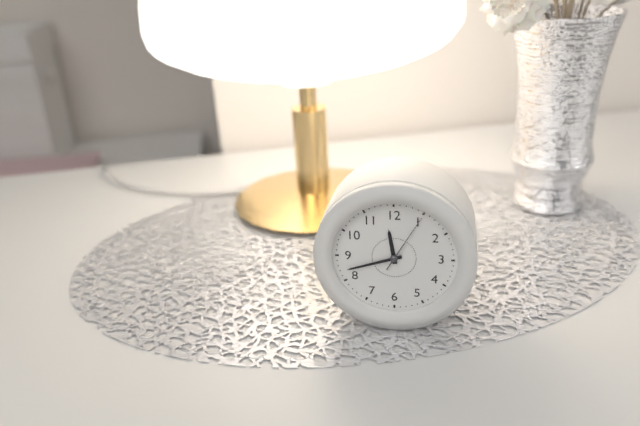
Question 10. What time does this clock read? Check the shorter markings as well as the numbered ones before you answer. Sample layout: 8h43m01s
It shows 11h42m05s
